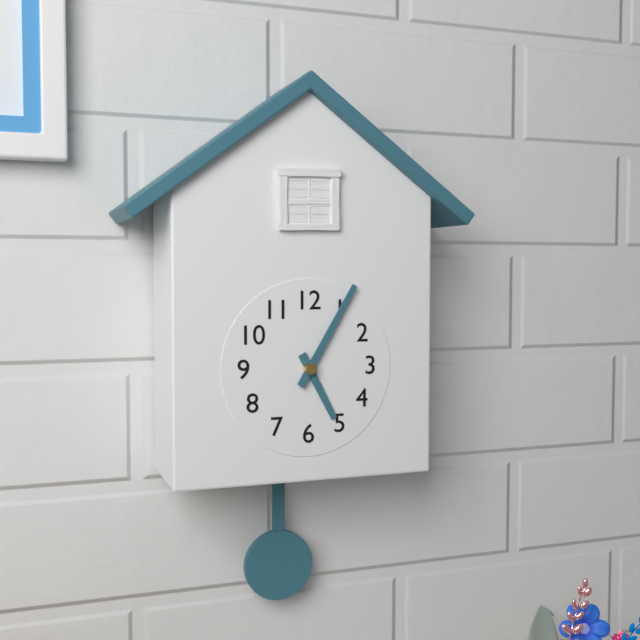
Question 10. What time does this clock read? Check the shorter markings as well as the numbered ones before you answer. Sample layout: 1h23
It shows 5h05
